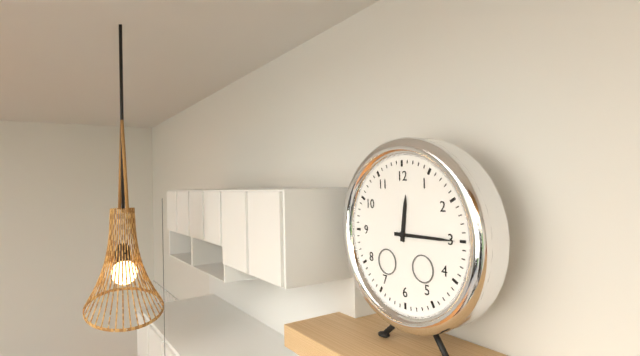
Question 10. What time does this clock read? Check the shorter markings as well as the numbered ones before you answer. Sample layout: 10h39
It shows 12h15
